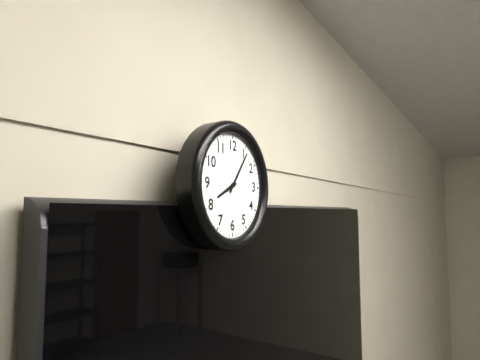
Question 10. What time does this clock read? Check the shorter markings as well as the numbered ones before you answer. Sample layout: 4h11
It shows 8h06
